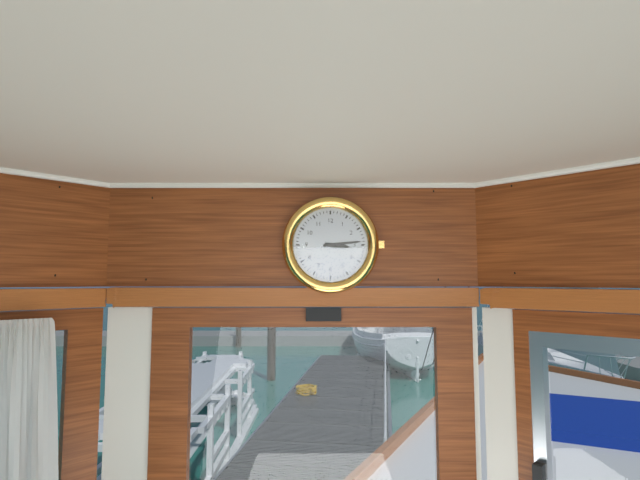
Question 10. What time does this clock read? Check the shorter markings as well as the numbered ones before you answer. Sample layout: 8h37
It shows 3h14
